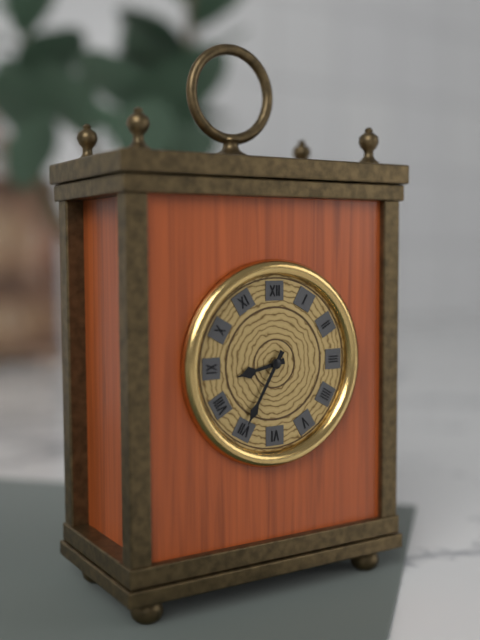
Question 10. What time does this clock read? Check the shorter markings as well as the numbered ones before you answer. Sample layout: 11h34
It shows 8h35
